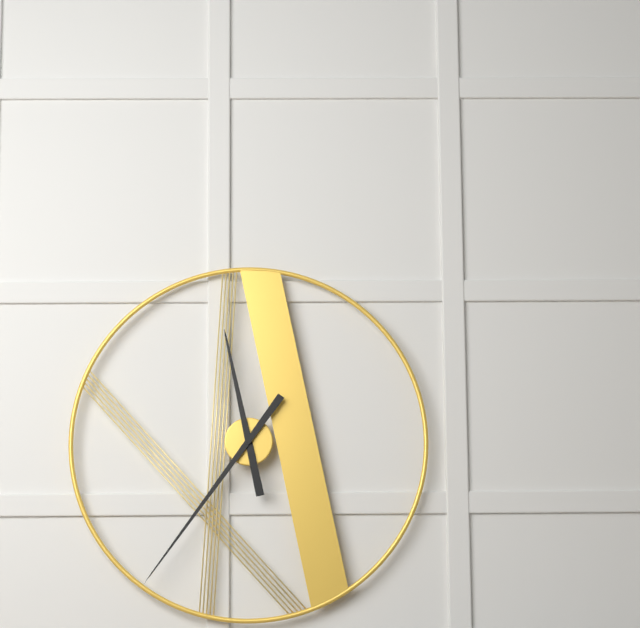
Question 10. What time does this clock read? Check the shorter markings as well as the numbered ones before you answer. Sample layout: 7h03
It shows 11h36
